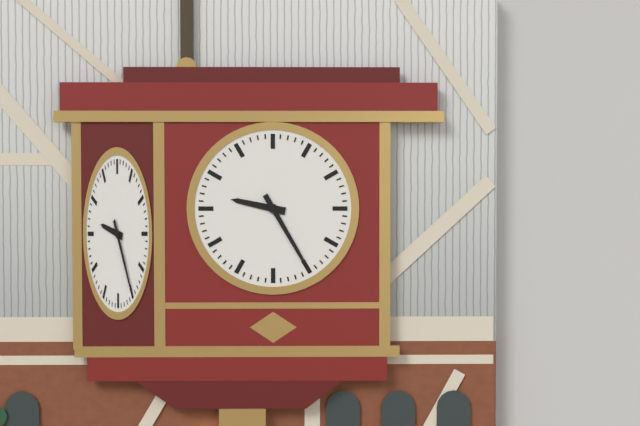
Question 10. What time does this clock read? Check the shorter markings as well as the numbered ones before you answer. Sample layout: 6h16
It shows 9h25
